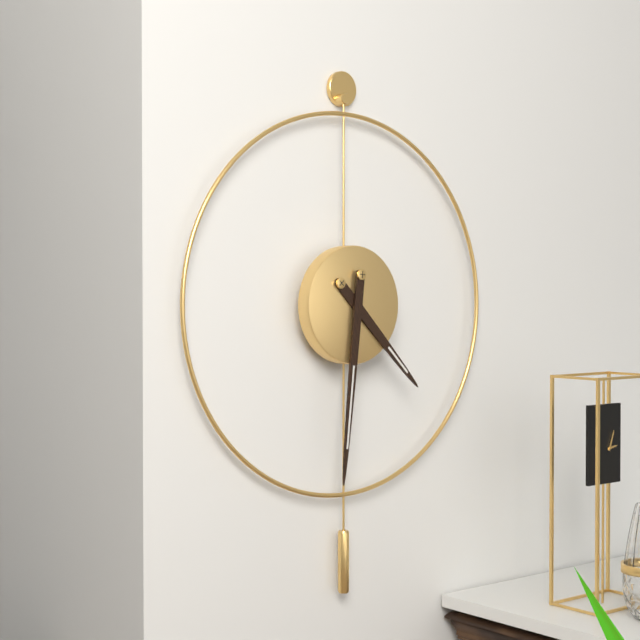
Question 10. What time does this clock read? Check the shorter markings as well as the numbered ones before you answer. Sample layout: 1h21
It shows 4h31
